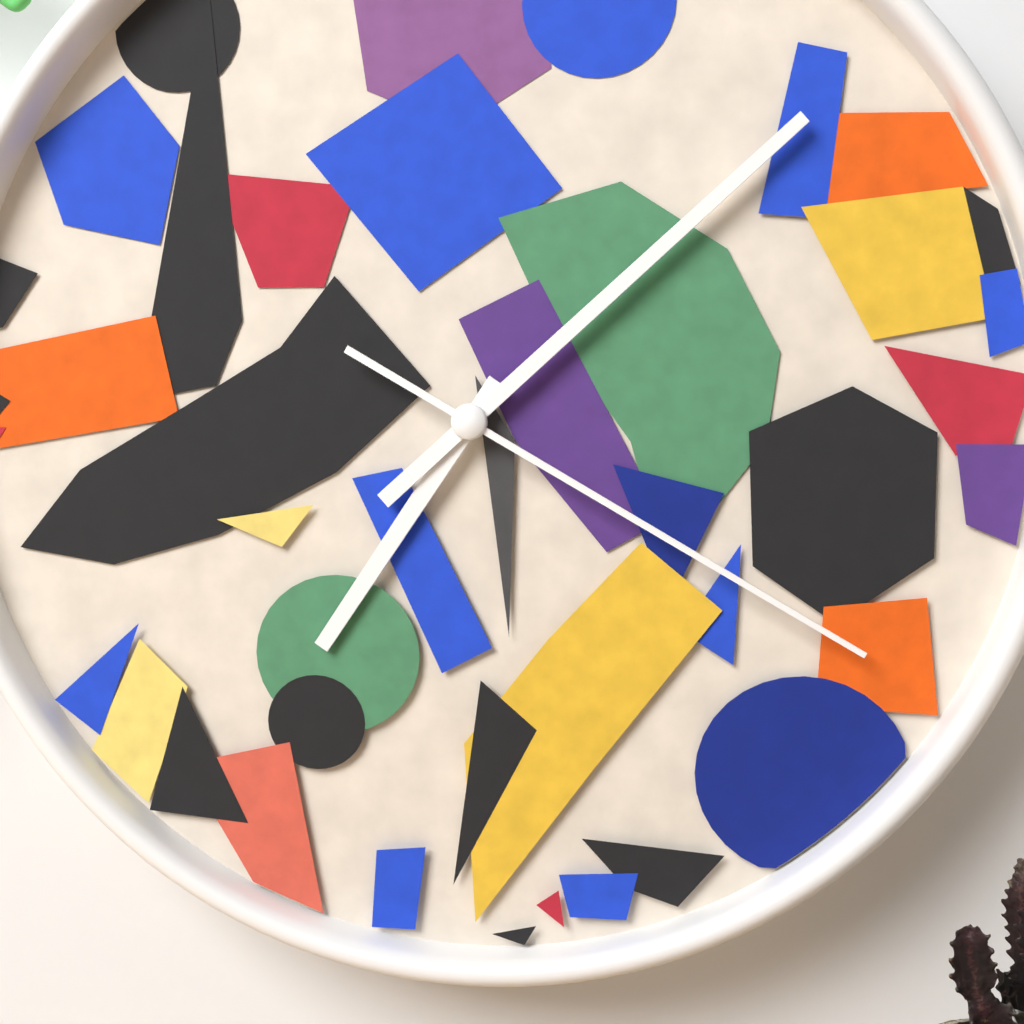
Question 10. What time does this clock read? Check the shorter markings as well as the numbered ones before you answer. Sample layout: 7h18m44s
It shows 7h08m20s
